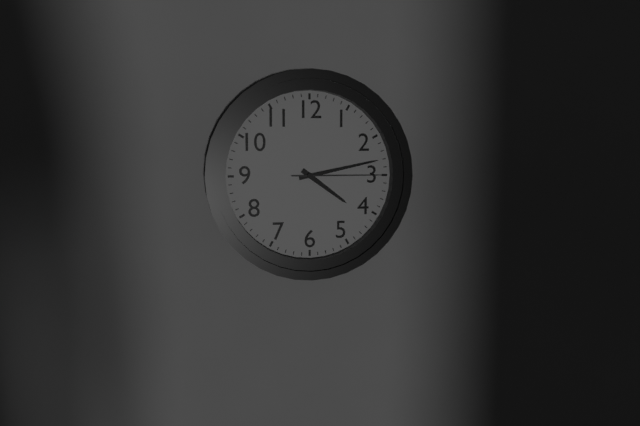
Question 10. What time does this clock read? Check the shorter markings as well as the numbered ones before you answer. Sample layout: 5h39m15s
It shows 4h13m15s
